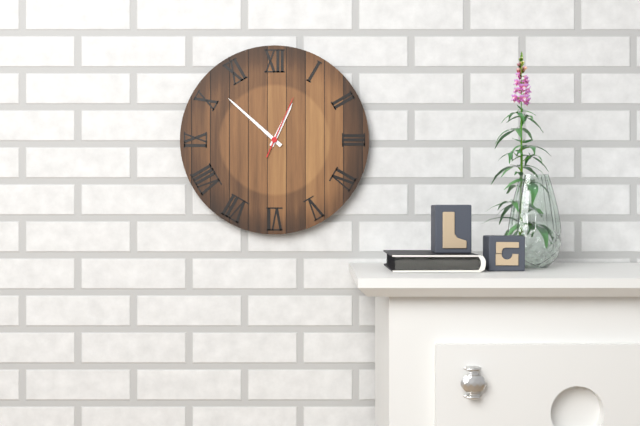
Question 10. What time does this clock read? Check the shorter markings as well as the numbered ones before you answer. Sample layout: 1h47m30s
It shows 12h52m04s
